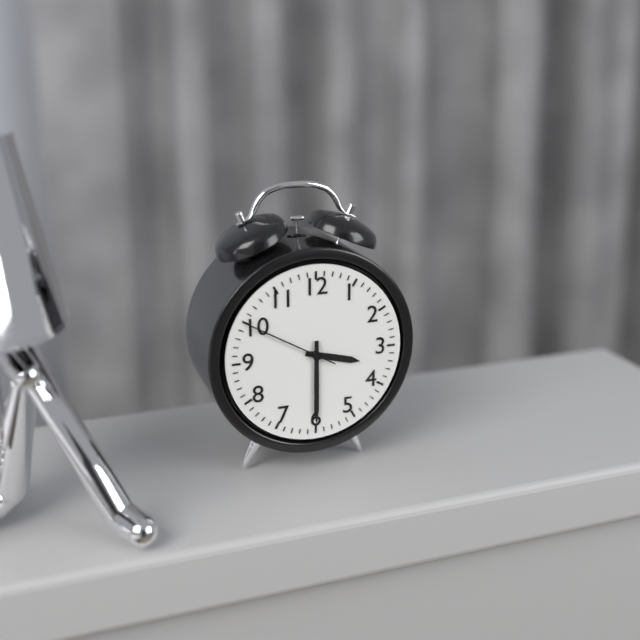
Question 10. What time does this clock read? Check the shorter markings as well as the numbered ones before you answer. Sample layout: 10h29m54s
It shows 3h30m50s
